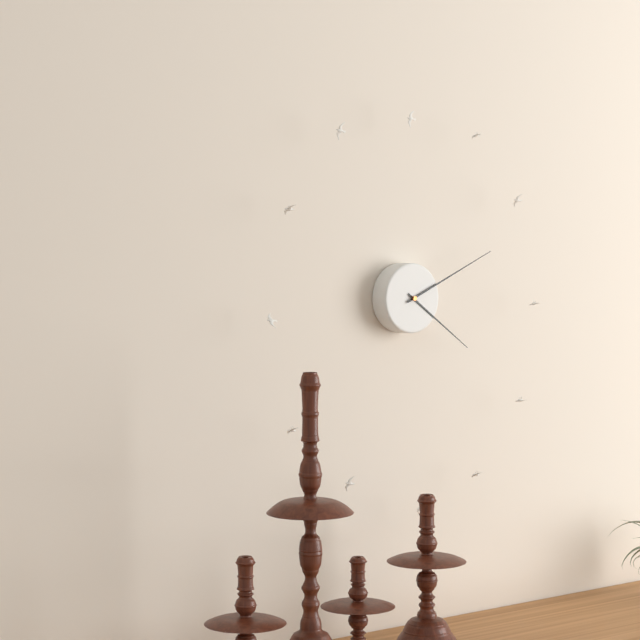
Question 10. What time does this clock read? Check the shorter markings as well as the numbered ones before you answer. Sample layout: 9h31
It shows 4h11
